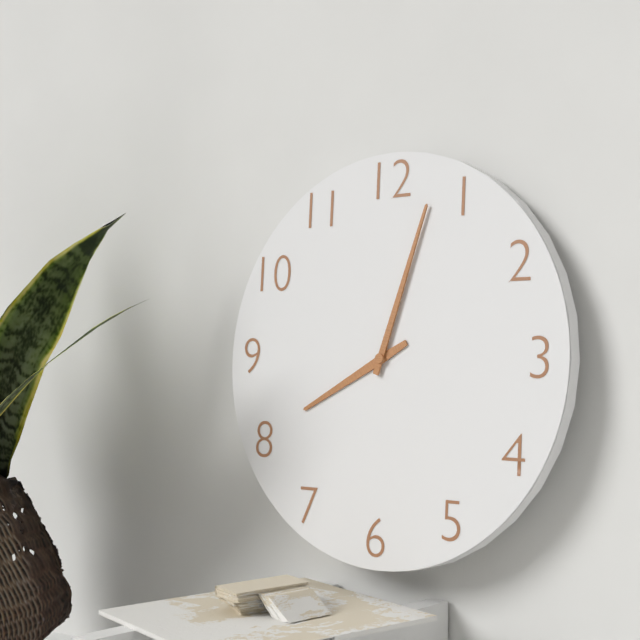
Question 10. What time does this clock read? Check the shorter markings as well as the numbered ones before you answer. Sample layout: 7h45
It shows 8h03
